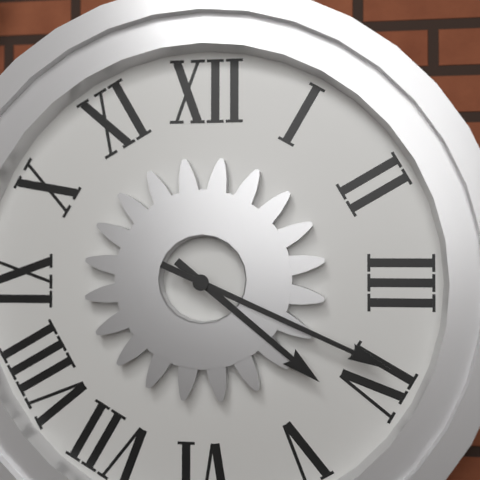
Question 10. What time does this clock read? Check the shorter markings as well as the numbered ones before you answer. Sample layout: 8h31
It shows 4h19
